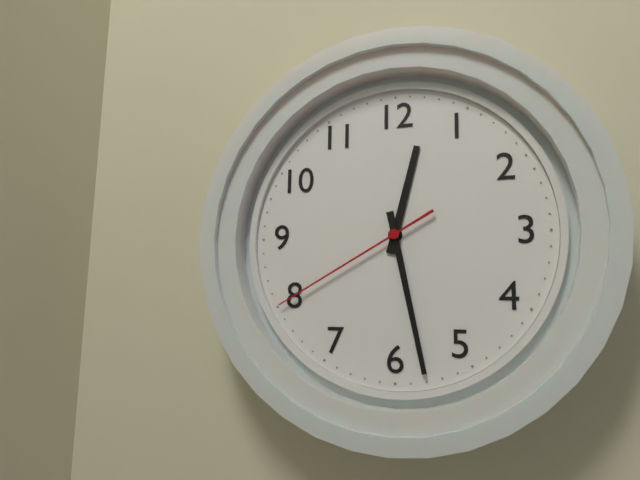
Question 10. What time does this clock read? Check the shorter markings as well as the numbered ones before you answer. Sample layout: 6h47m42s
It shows 12h28m40s
